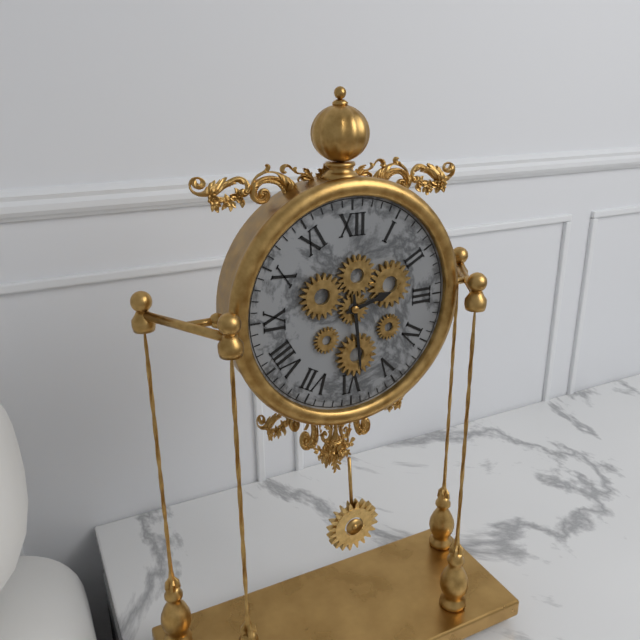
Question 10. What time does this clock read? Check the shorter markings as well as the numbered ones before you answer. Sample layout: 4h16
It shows 2h29
